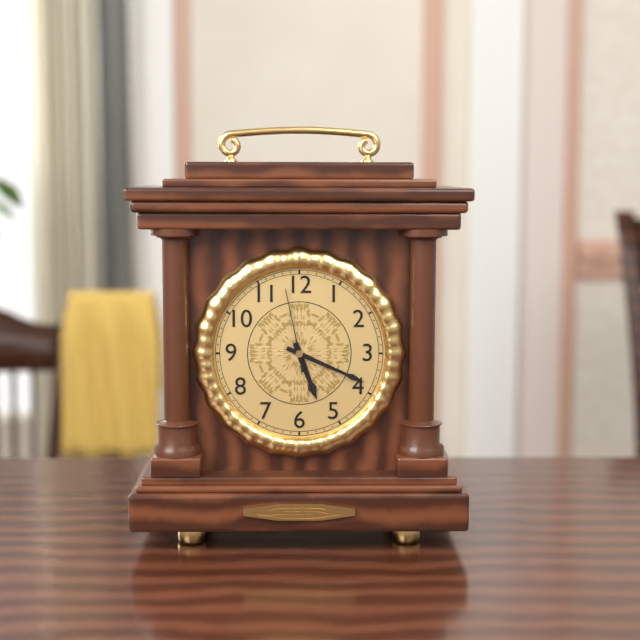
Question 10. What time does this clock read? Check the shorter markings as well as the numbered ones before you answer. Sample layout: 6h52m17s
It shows 5h19m58s
